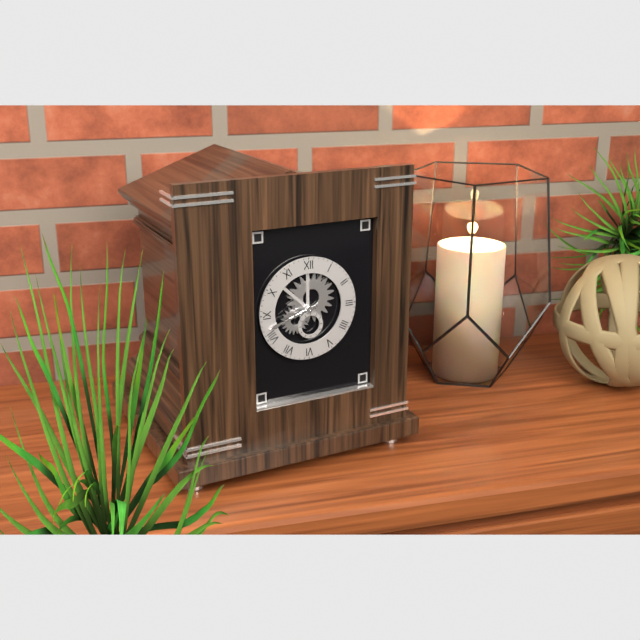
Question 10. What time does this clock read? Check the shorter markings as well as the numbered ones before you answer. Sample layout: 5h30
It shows 8h42
